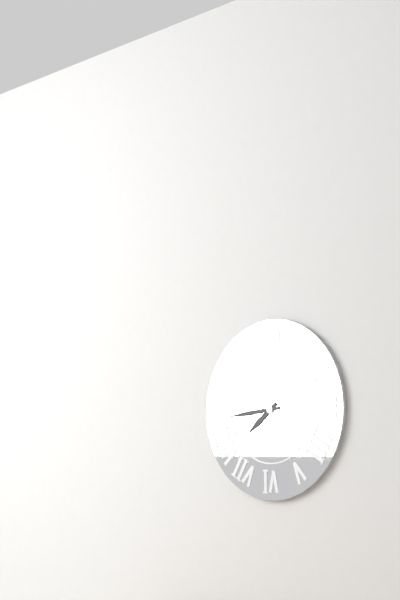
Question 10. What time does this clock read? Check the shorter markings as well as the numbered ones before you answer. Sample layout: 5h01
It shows 7h44
